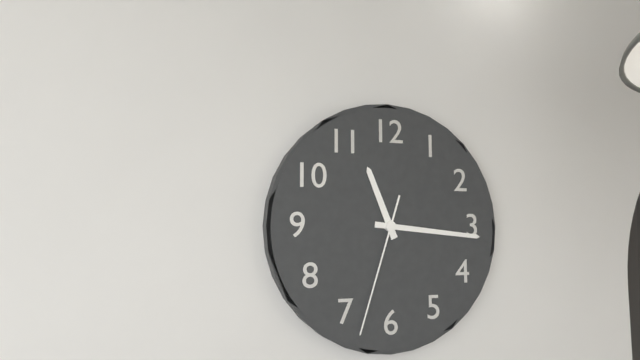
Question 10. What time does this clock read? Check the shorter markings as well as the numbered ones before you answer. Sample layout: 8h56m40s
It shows 11h16m33s
